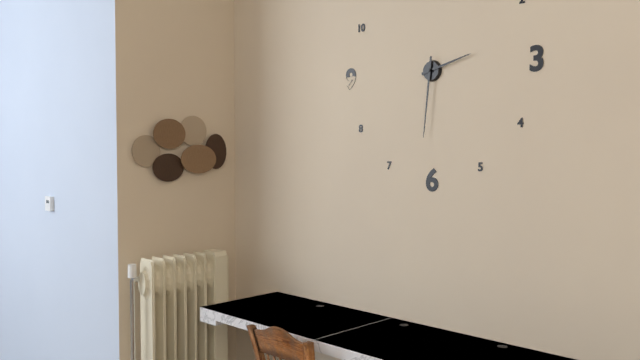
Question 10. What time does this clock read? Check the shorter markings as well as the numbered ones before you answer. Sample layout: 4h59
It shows 2h31
